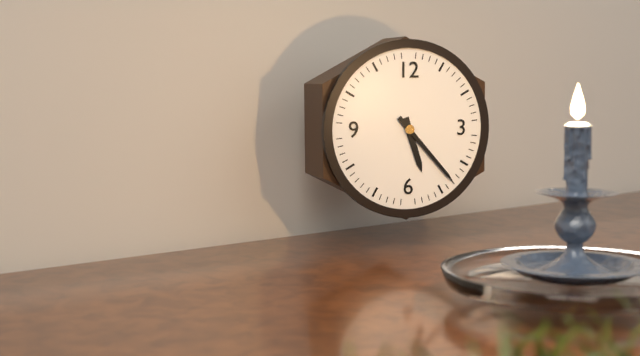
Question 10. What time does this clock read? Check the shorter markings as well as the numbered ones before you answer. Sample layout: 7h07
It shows 5h23
